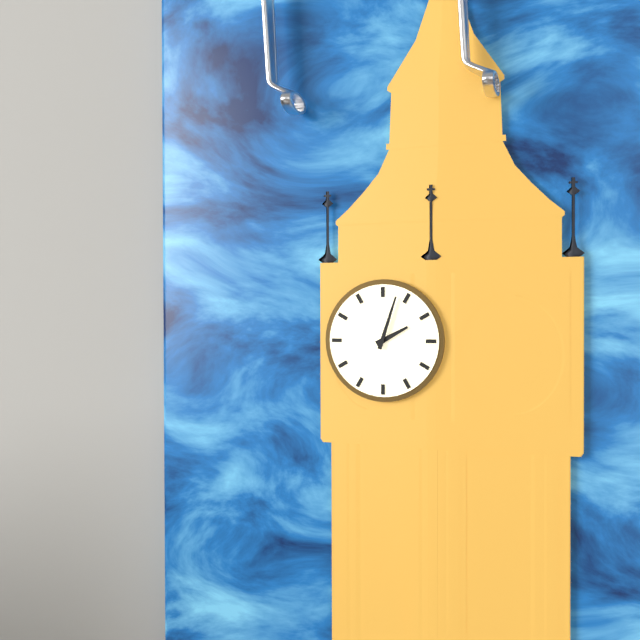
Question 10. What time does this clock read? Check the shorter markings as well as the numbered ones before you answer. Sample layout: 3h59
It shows 2h03
